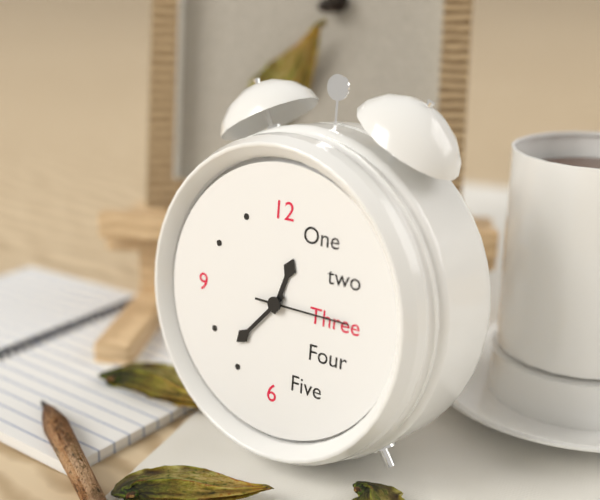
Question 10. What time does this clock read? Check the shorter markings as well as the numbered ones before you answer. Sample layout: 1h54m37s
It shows 12h37m15s
